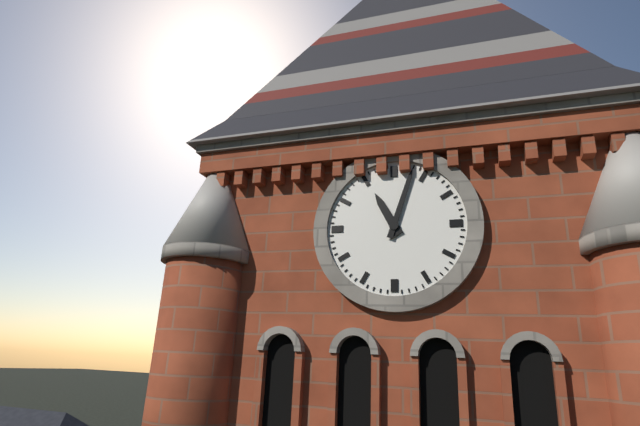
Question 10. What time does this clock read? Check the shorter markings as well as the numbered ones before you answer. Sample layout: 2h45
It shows 11h03
